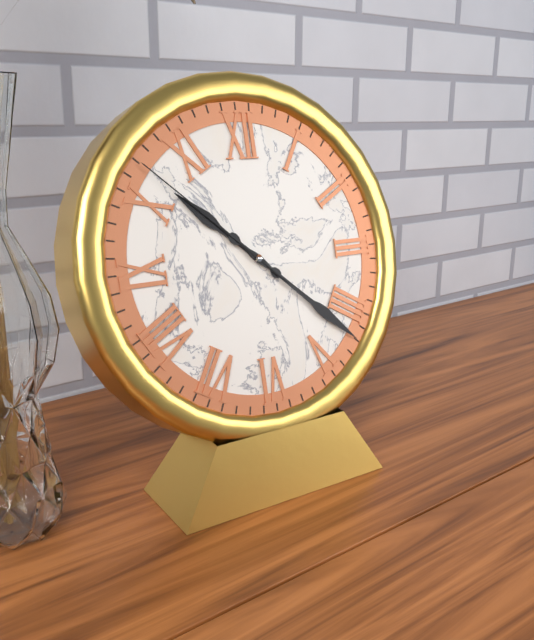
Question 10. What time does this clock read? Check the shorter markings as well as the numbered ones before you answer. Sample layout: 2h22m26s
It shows 10h22m52s
